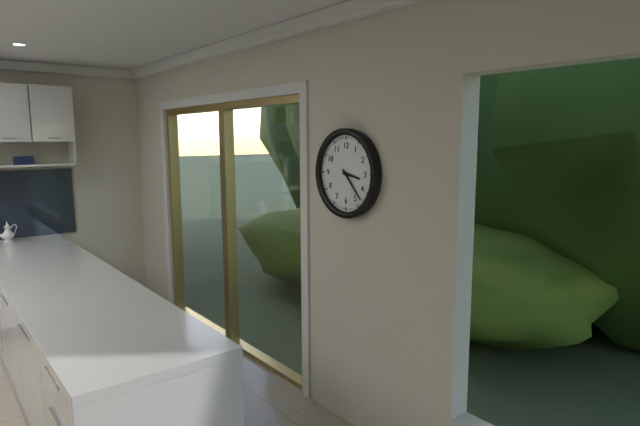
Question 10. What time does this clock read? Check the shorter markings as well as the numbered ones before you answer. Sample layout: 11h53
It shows 3h23
